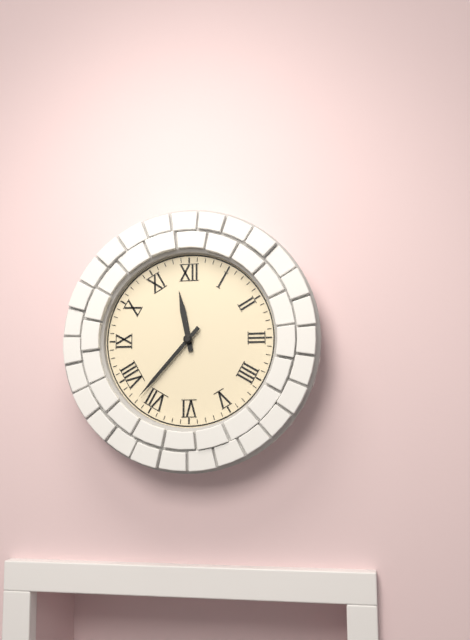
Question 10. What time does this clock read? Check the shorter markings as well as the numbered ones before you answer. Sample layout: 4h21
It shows 11h37
